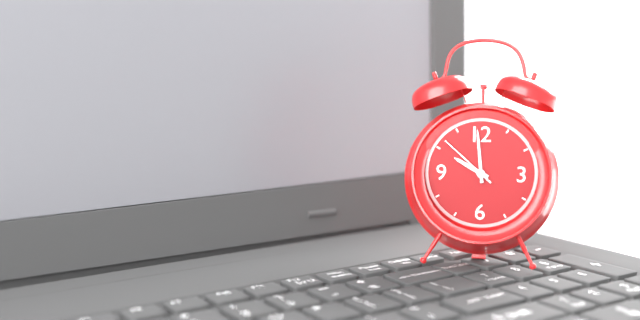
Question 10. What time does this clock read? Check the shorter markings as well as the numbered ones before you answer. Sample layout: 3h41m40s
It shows 9h59m52s
